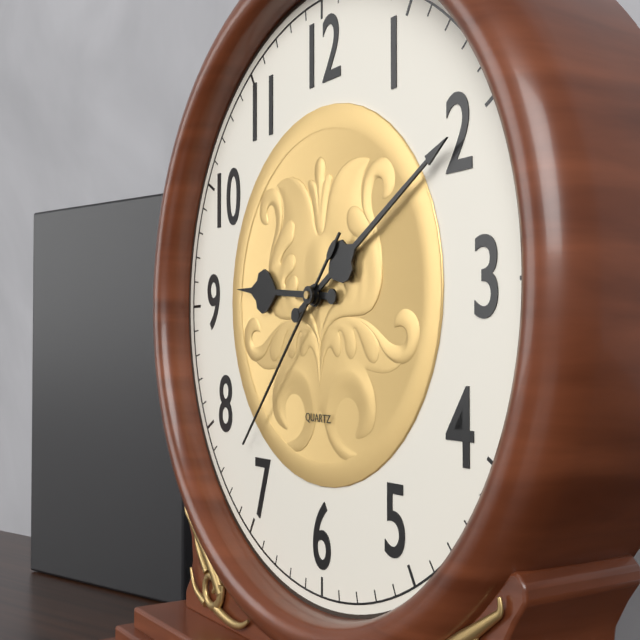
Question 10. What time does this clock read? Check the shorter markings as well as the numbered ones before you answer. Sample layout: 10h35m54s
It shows 9h10m37s
